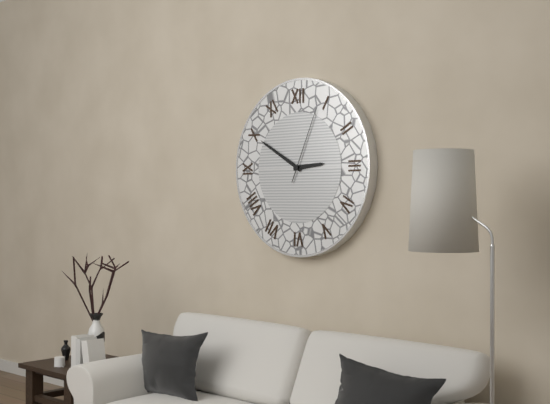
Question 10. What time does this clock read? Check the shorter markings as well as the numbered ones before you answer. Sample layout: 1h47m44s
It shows 2h50m04s
